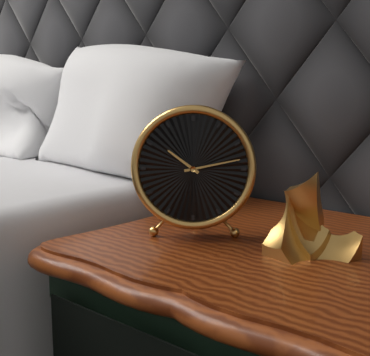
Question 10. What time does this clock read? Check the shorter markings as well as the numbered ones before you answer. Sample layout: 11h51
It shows 10h13
